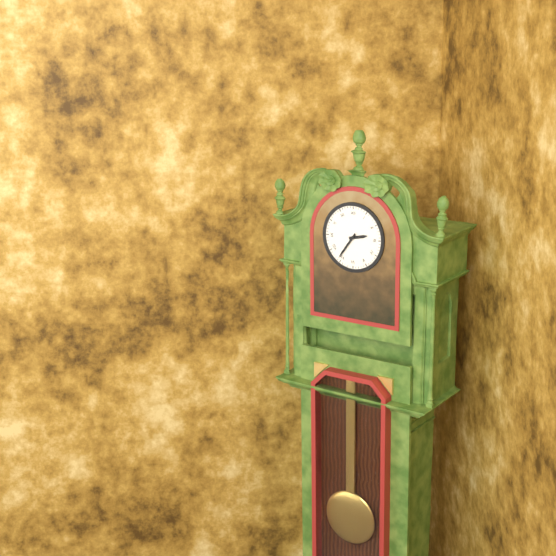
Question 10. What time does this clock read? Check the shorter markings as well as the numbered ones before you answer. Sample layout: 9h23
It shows 2h36
